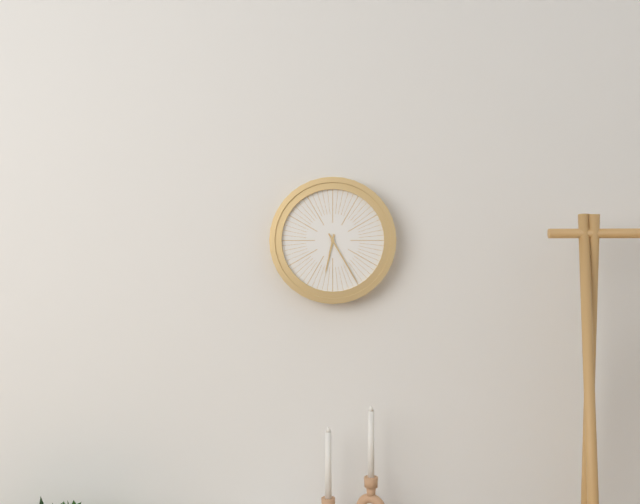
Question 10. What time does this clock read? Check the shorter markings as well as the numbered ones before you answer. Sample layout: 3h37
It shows 6h25
